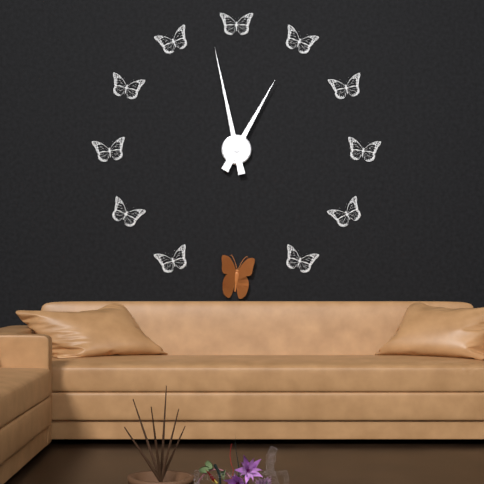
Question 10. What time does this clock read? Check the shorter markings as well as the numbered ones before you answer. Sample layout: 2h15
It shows 12h58
